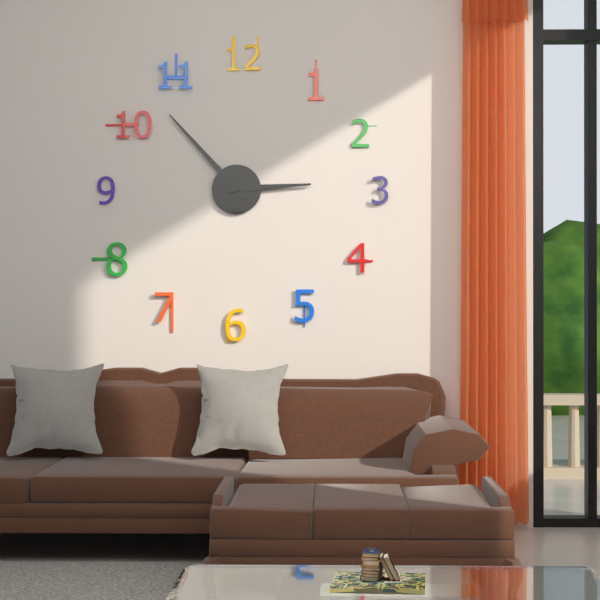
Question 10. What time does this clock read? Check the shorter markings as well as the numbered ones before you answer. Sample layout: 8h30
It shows 2h53
